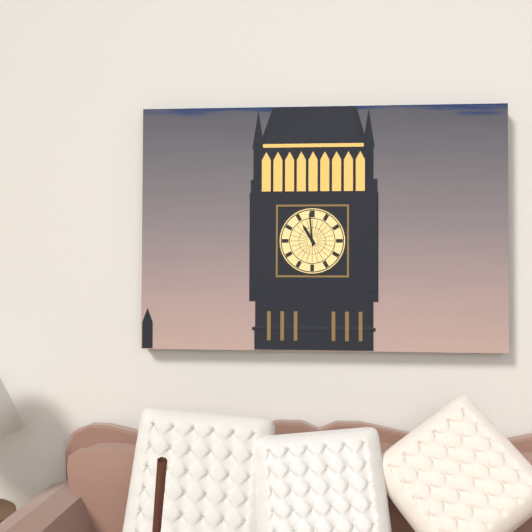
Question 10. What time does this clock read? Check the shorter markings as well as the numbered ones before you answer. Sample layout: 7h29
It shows 10h59
